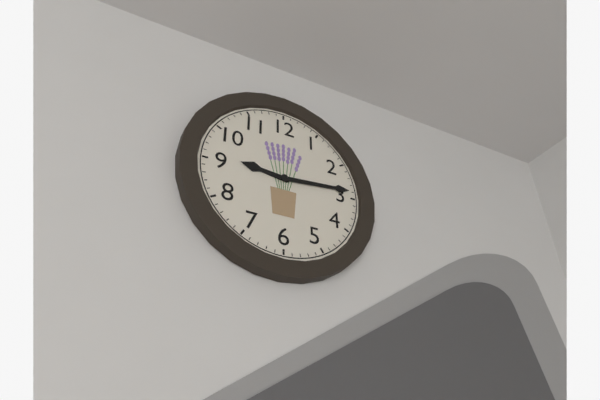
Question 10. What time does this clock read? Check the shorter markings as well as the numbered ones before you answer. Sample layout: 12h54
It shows 9h14
